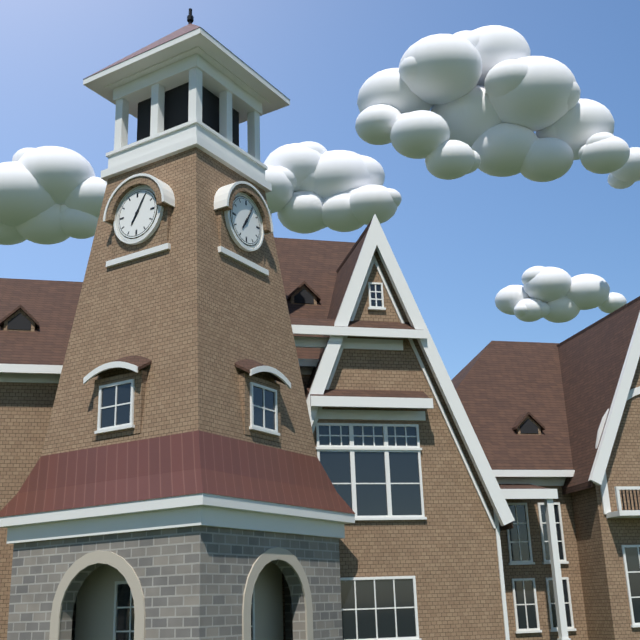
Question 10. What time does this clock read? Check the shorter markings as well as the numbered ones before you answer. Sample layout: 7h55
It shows 7h05
